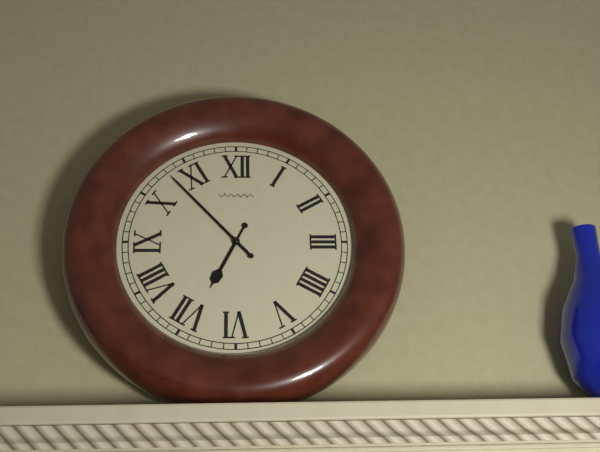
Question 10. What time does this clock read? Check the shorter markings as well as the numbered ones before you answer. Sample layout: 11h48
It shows 6h53
